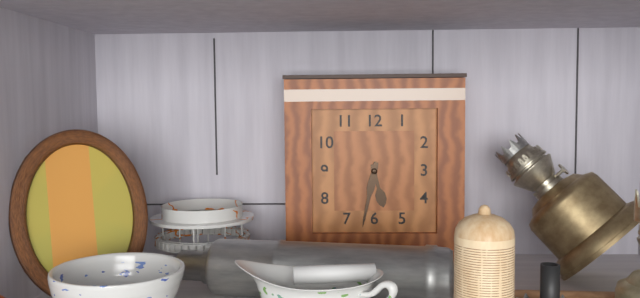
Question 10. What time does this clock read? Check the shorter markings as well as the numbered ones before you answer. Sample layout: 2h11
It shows 5h32
